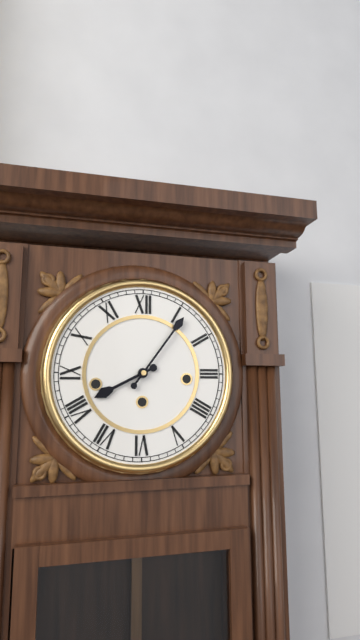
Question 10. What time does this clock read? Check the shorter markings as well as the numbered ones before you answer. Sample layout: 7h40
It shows 8h06
